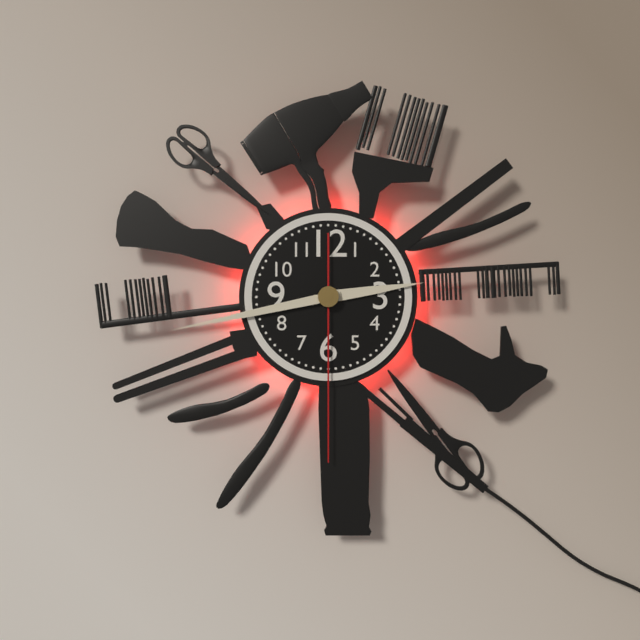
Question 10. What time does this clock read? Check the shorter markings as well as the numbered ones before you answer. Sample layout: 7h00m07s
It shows 2h43m30s
